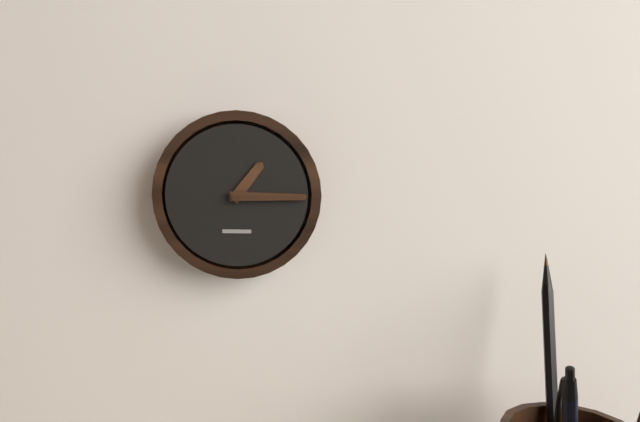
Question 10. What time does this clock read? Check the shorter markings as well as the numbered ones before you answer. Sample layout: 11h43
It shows 1h15
